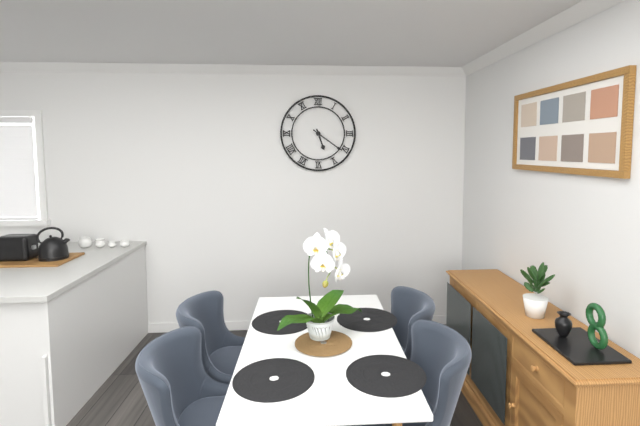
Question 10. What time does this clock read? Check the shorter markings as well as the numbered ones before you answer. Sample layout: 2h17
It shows 5h21
